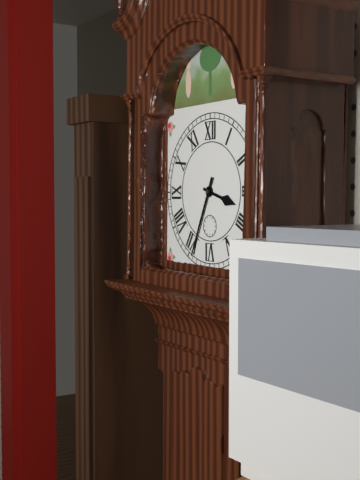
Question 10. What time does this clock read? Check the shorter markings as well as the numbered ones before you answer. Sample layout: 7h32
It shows 3h34
